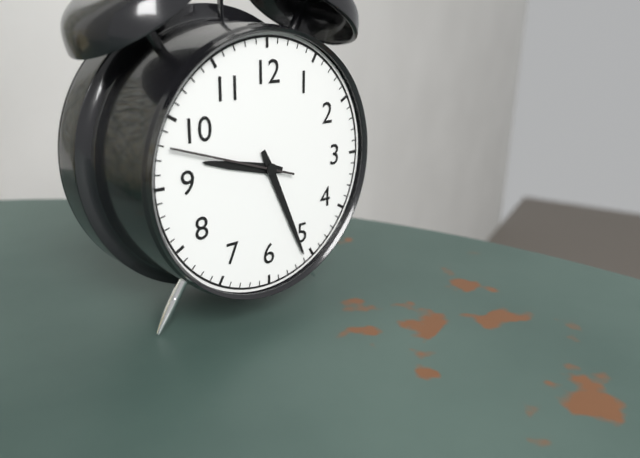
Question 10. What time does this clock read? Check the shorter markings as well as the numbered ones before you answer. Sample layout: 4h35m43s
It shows 9h26m48s
